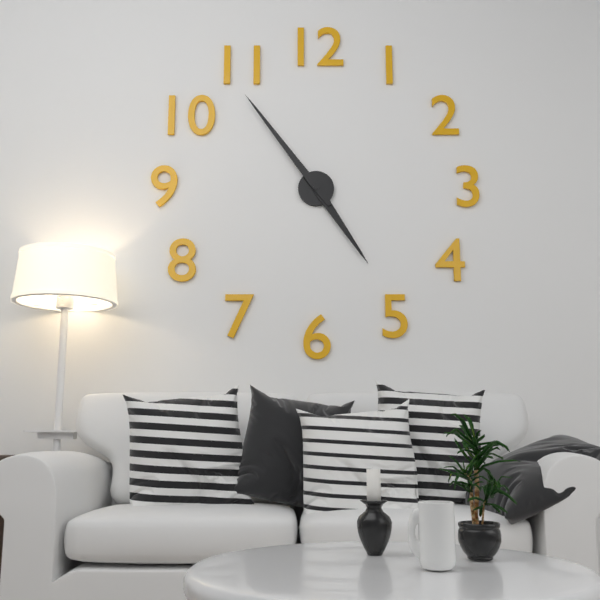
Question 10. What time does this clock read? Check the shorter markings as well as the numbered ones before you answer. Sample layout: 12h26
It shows 4h54
